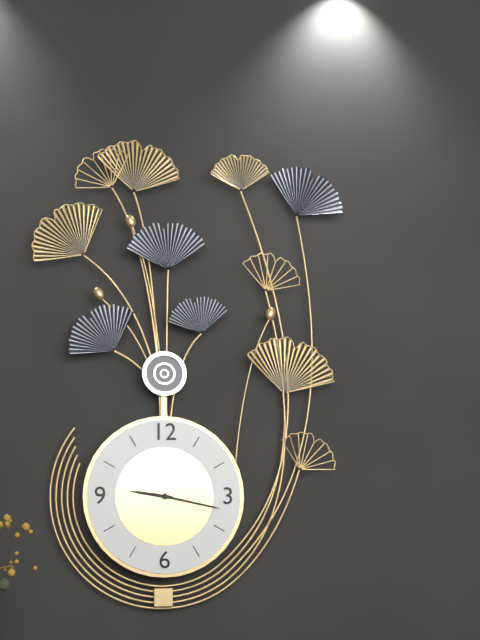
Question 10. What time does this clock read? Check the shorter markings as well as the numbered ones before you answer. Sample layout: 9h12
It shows 9h17
